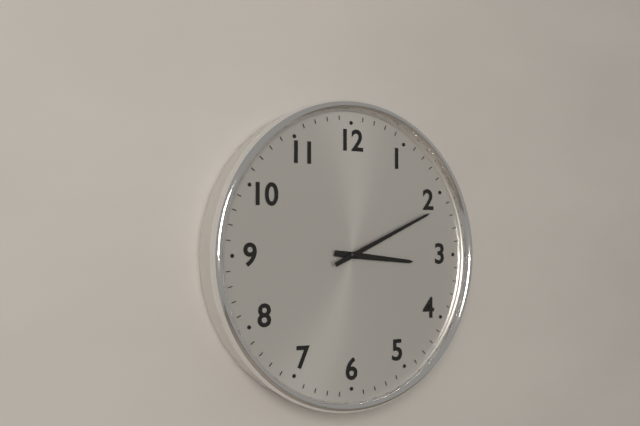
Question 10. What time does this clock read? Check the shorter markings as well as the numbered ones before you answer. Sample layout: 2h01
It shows 3h11
